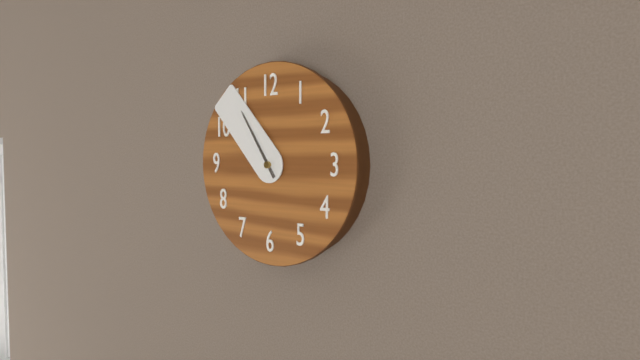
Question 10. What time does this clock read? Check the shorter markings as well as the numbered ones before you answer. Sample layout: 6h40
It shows 10h53
